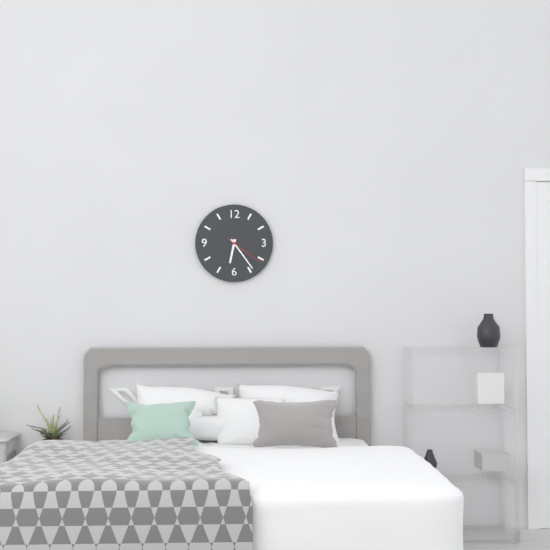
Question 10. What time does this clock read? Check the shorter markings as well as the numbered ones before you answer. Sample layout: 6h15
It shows 6h24
